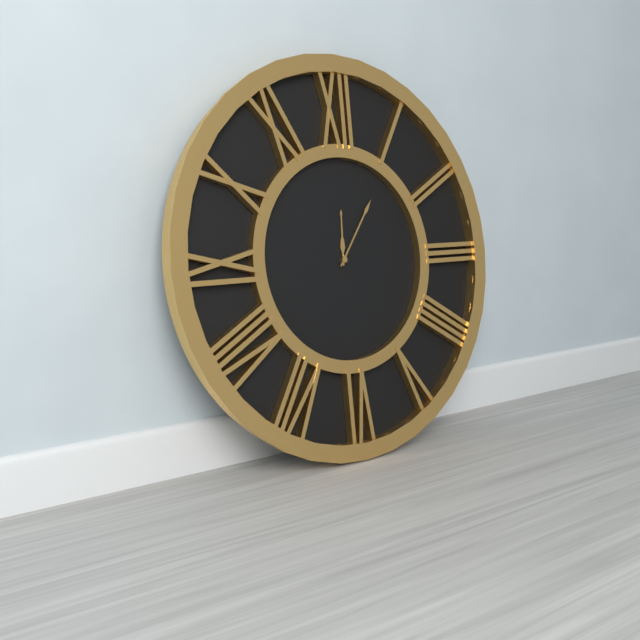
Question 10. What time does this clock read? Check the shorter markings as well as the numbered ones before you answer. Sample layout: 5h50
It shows 12h06
